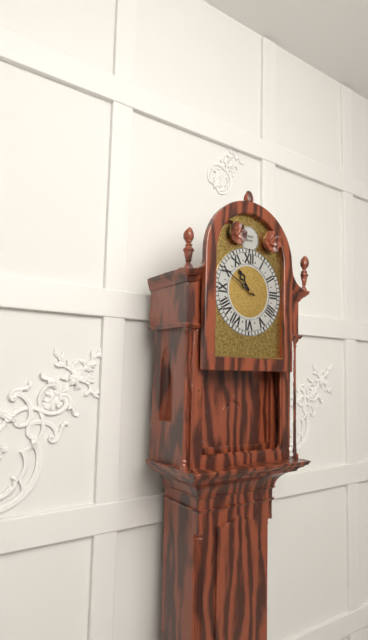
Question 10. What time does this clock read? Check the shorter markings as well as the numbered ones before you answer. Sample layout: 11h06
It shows 10h50
